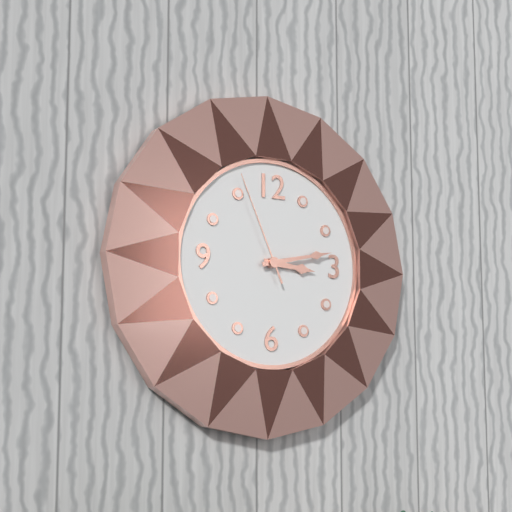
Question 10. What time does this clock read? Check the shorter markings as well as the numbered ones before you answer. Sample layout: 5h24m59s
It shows 3h13m56s
